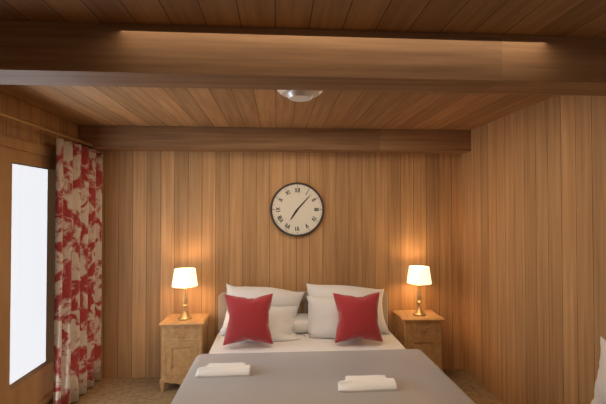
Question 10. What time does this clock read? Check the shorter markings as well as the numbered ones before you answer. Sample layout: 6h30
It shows 7h07
